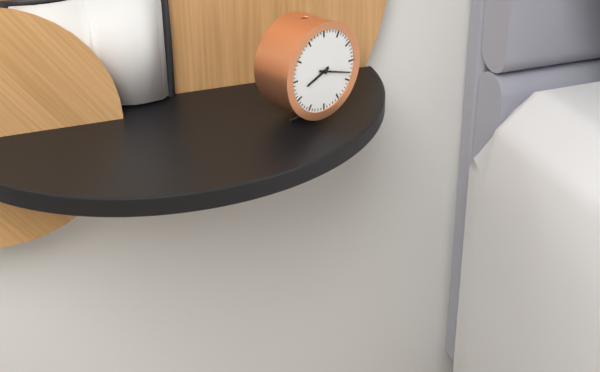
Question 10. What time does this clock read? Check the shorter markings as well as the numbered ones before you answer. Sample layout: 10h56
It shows 8h18
